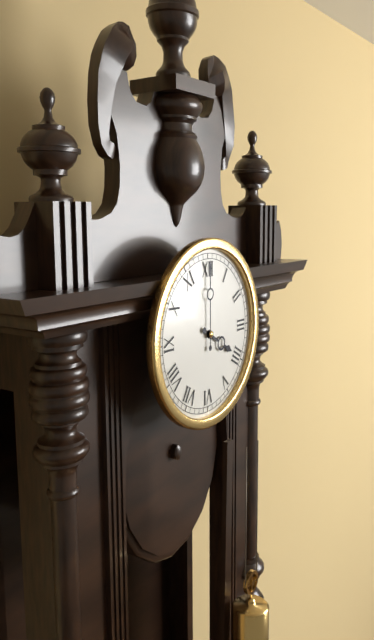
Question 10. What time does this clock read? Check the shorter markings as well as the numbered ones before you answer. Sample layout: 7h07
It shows 4h00
